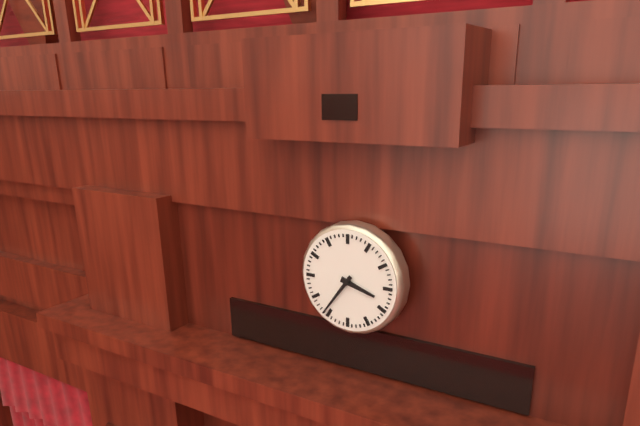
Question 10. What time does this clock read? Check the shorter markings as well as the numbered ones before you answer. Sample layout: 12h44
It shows 3h36
